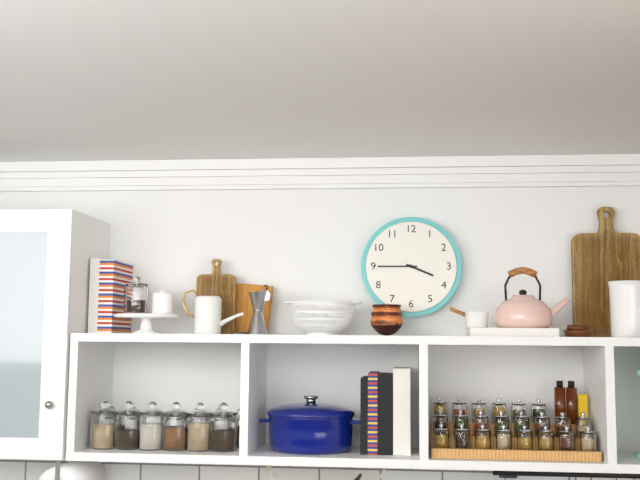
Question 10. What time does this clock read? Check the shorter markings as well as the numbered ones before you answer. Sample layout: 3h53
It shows 3h45
